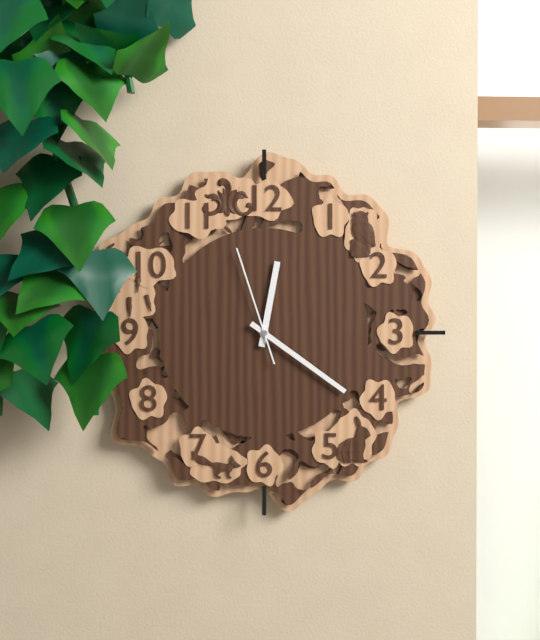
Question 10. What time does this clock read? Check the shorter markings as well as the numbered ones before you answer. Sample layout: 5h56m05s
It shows 12h21m57s
